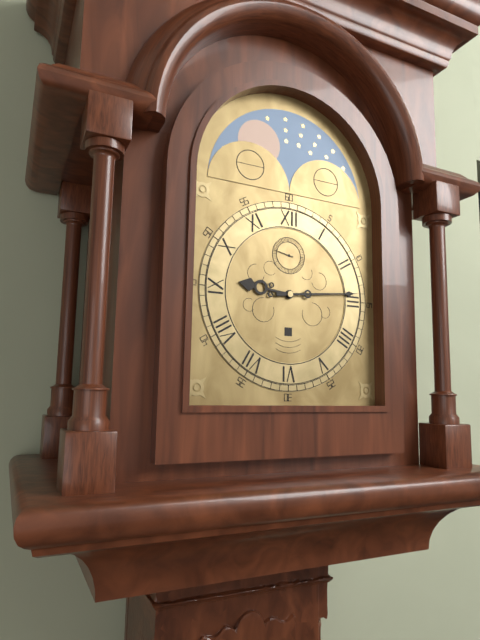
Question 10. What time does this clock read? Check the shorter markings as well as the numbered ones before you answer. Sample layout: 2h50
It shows 9h14
